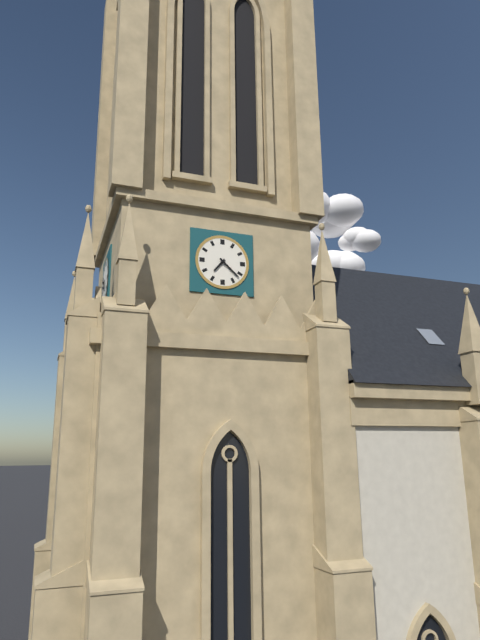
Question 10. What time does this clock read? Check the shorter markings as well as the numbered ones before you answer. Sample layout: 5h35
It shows 7h22
